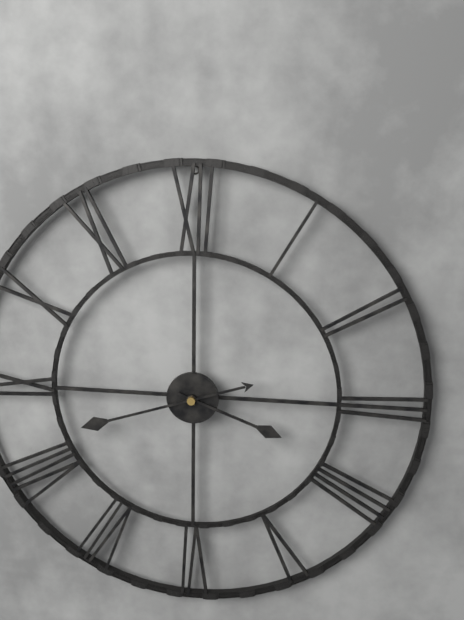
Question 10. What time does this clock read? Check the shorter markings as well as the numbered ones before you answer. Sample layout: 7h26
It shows 3h42
